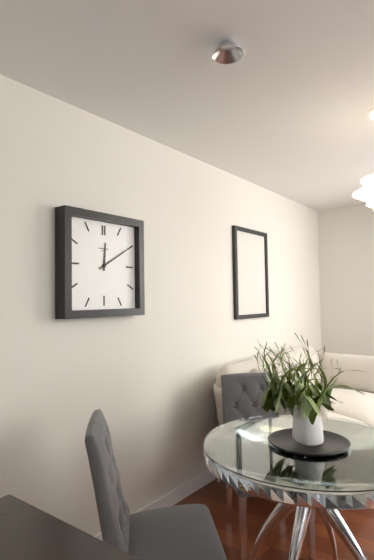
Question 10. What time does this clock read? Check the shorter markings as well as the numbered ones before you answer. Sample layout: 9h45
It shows 12h10
